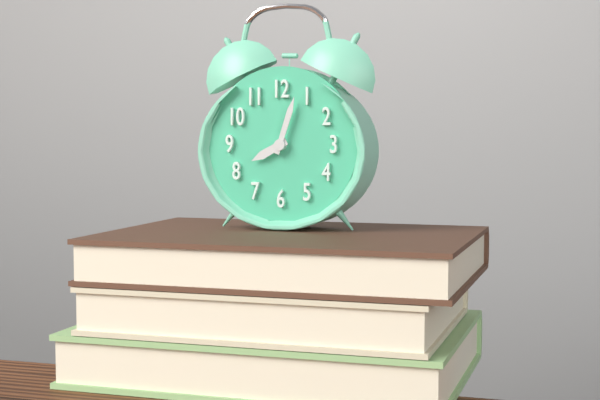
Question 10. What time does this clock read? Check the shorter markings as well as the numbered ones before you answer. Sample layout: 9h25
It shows 8h03
